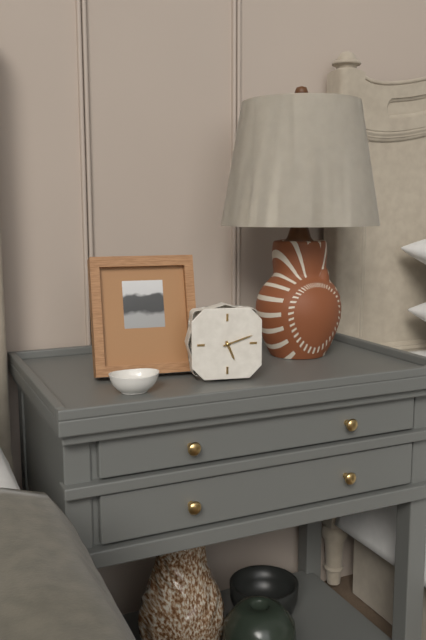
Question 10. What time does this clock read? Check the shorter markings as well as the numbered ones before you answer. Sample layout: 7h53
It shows 5h12
